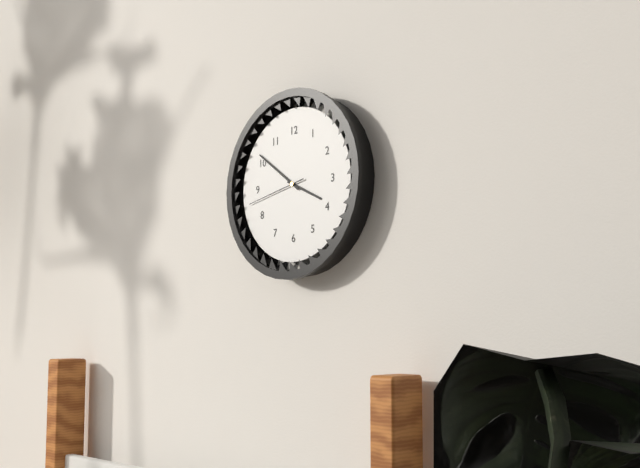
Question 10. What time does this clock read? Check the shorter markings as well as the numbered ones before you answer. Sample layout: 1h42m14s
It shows 3h51m43s
